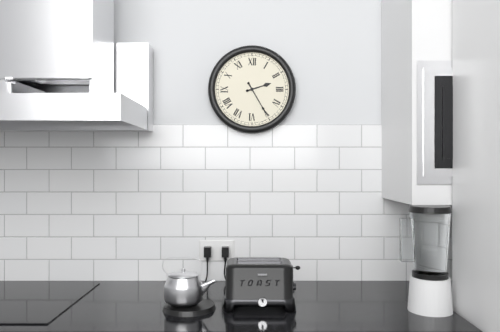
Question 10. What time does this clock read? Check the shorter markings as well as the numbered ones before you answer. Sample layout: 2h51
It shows 2h25
